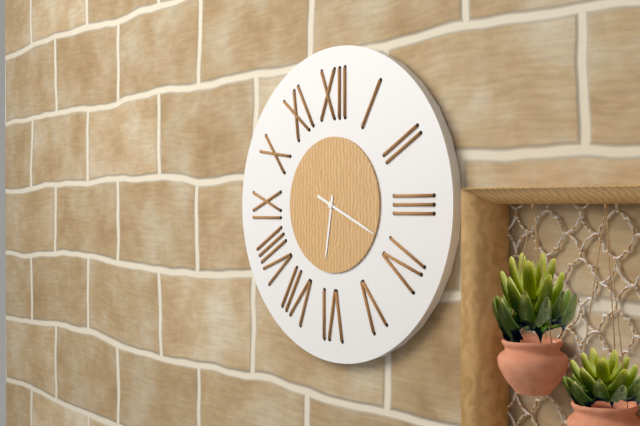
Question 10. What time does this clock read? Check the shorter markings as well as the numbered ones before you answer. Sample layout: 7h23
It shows 6h19
